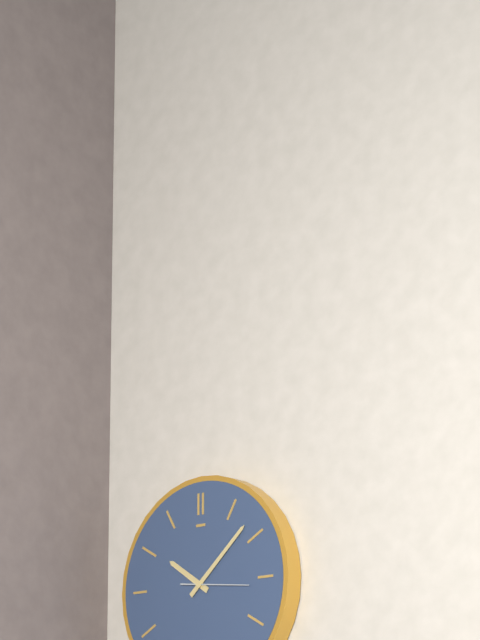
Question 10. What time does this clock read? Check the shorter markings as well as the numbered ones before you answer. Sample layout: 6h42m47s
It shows 10h08m16s
